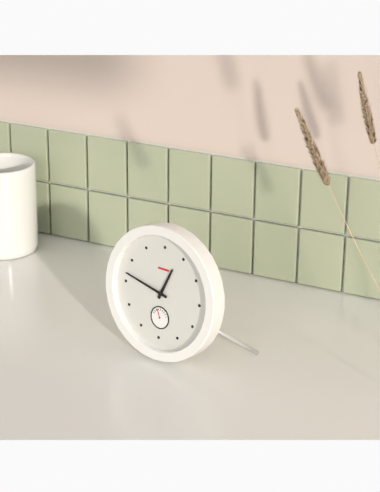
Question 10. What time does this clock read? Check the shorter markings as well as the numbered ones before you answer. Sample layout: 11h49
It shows 12h47
